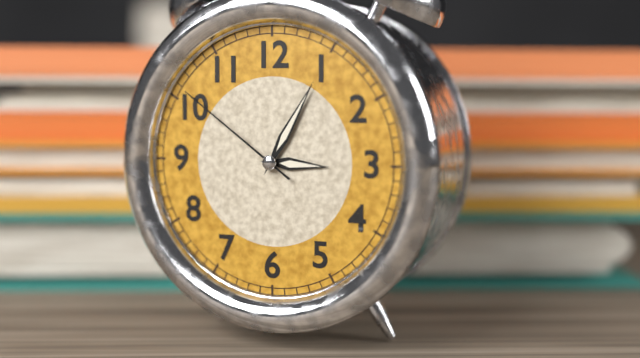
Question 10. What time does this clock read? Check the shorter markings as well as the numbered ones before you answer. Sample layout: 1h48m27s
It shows 3h05m51s
